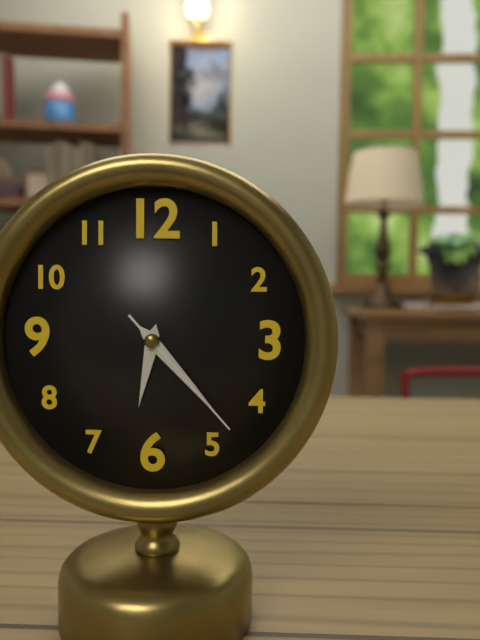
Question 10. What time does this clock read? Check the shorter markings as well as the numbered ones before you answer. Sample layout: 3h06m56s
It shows 6h23m23s
